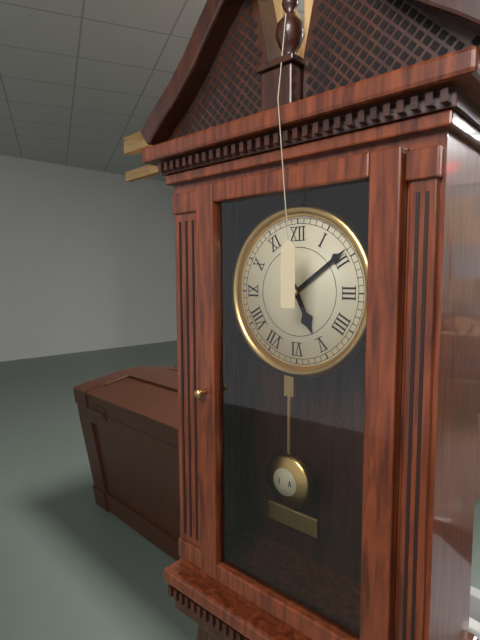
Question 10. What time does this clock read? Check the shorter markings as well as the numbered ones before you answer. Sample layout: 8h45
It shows 5h09
